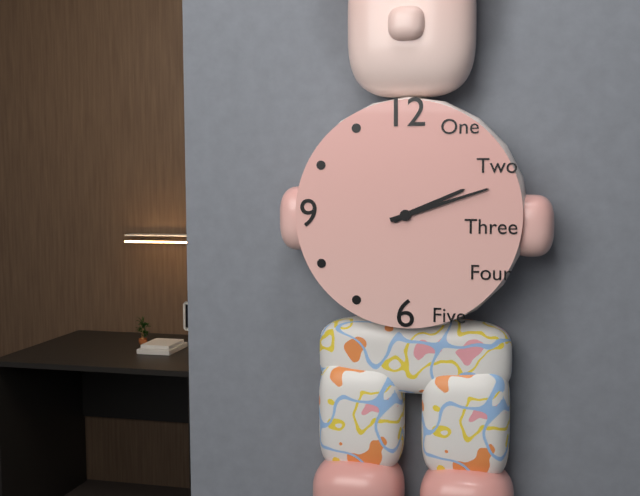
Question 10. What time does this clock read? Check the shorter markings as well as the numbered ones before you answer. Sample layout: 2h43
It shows 2h12
